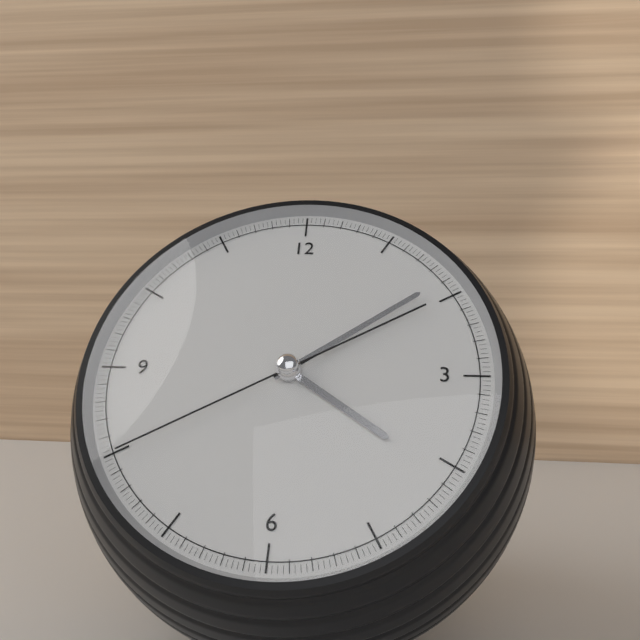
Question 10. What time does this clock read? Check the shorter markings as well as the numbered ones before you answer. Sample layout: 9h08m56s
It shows 4h09m40s
